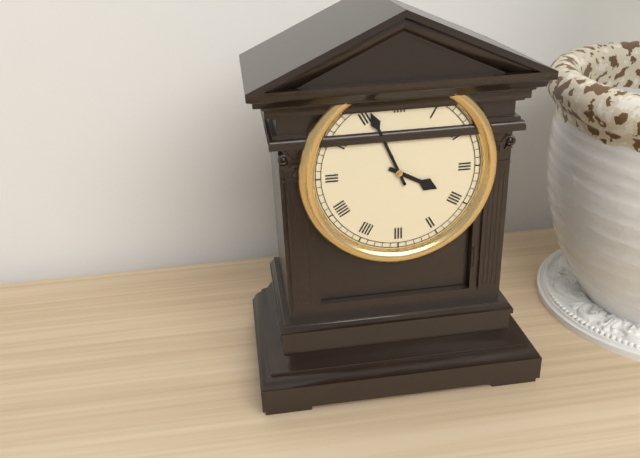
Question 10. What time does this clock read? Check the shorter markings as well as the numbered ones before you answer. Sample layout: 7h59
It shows 3h56
